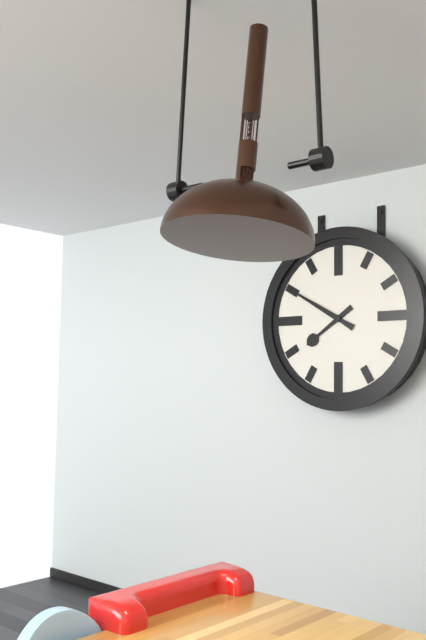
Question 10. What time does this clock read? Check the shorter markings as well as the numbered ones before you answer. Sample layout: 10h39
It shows 7h50
